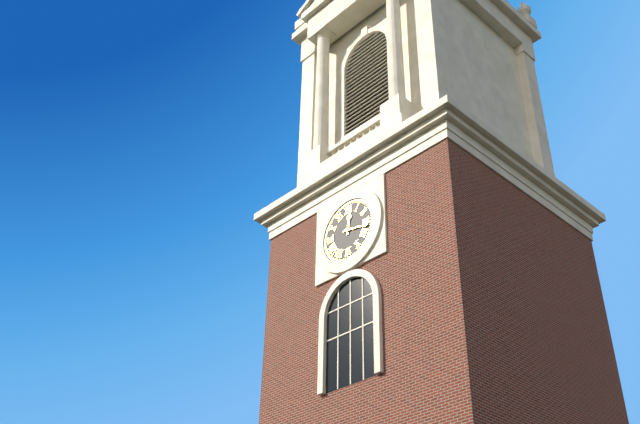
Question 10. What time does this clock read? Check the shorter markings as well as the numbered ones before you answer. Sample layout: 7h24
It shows 12h17
